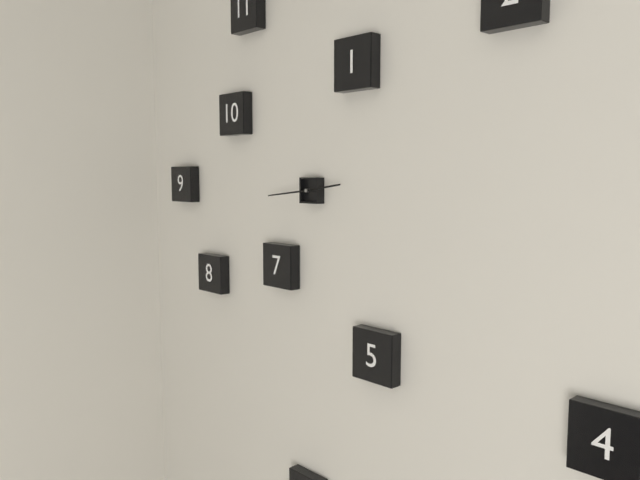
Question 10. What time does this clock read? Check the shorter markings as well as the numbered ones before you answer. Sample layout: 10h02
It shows 2h44
